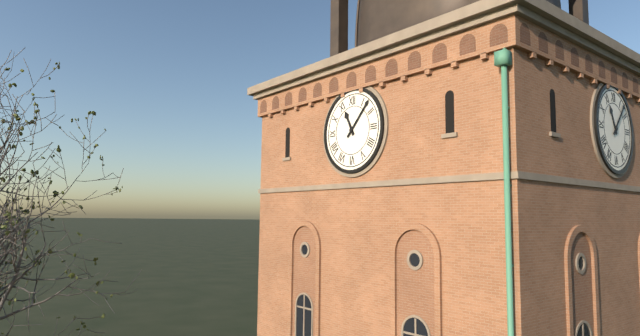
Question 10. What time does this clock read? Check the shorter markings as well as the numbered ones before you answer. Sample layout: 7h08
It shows 11h07
